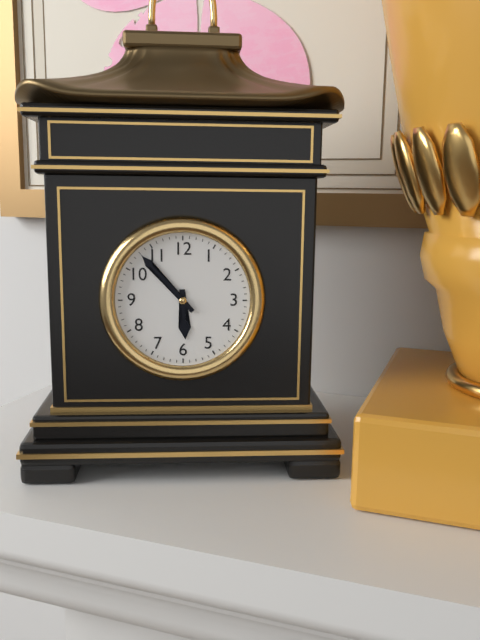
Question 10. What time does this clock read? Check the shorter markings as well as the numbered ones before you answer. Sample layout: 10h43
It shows 5h53
